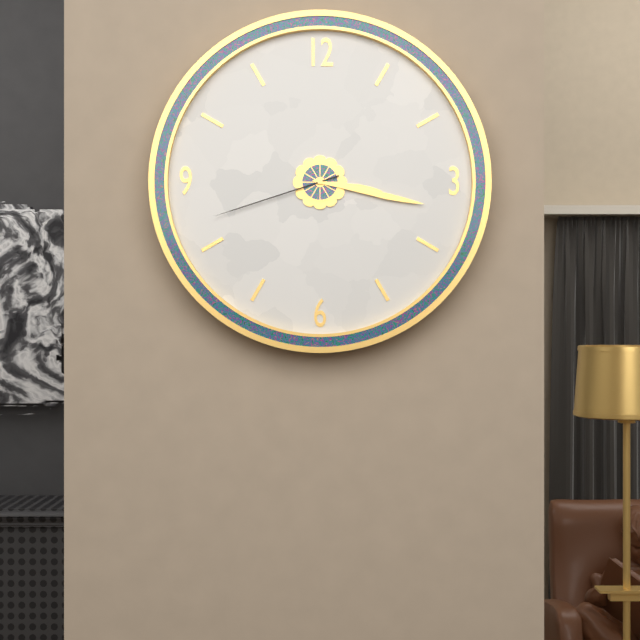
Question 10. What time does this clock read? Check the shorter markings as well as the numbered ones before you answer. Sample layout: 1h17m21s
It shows 3h17m42s
